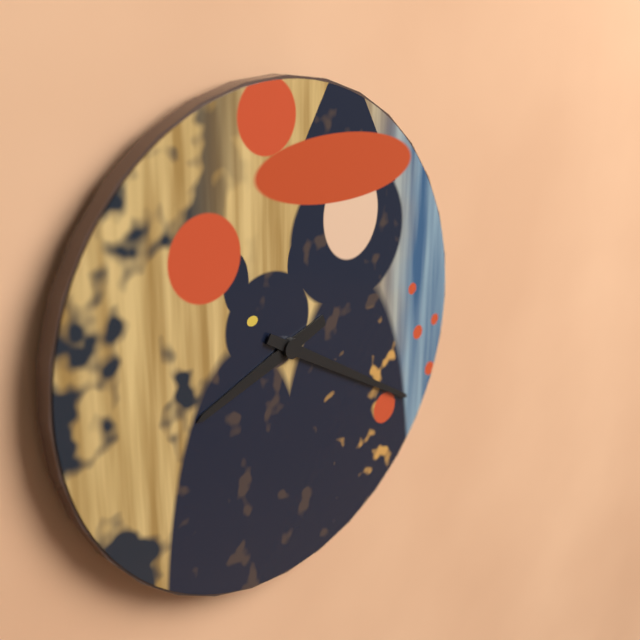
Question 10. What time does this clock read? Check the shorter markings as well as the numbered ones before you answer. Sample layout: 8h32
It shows 8h20
